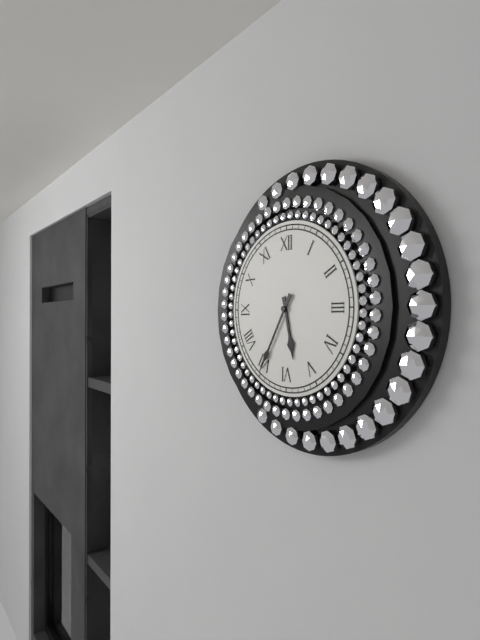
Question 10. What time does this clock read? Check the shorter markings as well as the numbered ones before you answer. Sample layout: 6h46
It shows 5h35
